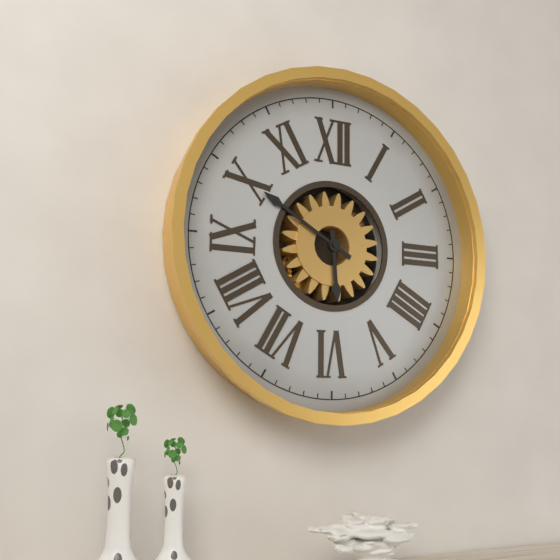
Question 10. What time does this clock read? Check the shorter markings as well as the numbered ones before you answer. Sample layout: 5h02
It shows 5h50
